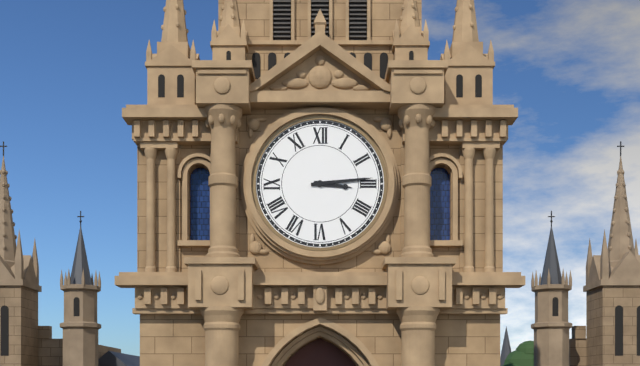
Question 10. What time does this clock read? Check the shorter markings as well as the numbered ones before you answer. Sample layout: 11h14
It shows 3h14
